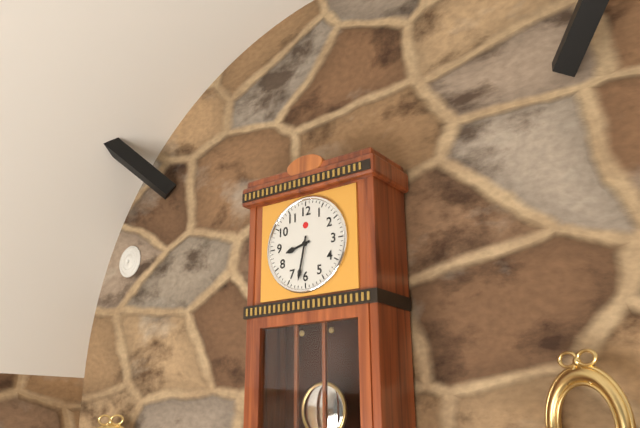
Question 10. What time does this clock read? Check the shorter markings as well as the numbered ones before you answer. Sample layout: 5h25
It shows 8h32
